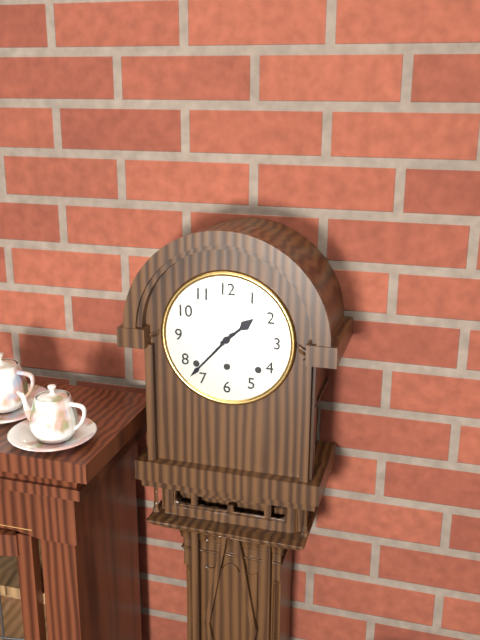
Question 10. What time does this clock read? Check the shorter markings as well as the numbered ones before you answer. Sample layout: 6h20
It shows 1h37
